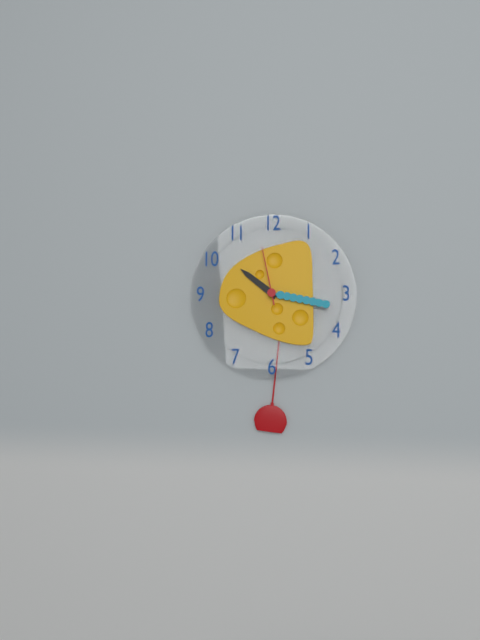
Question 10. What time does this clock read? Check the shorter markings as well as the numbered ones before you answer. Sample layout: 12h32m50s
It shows 10h17m58s
